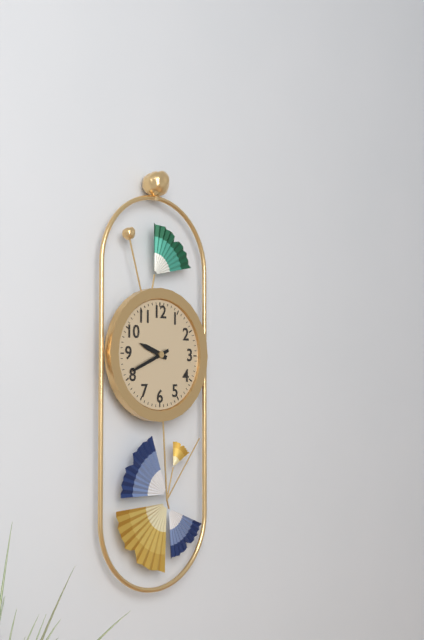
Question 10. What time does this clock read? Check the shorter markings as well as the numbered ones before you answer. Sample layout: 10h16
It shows 9h41
